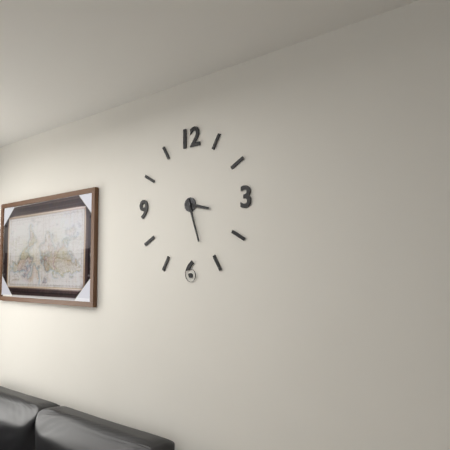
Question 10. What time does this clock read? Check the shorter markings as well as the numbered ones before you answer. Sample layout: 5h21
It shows 3h27
